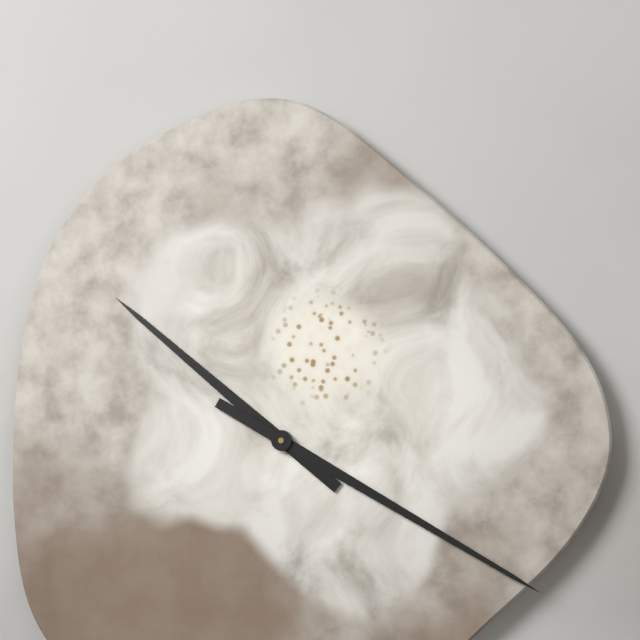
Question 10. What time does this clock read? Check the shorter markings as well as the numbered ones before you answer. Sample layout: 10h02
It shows 10h20
